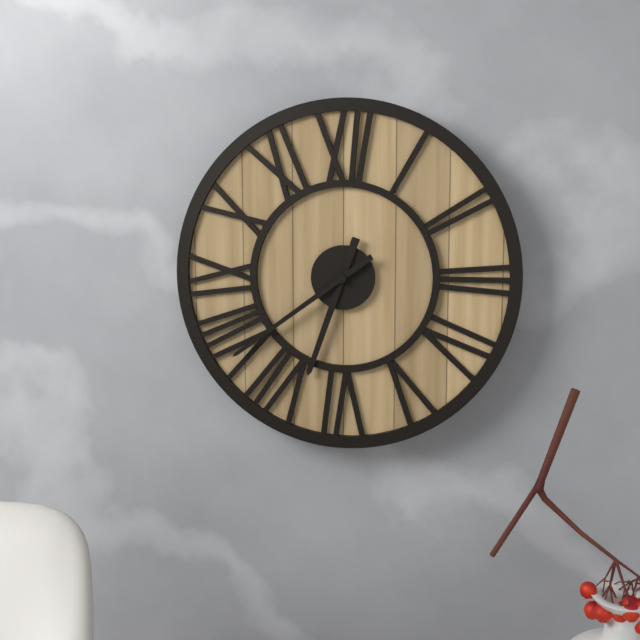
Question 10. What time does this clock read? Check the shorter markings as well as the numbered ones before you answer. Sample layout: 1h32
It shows 6h39
